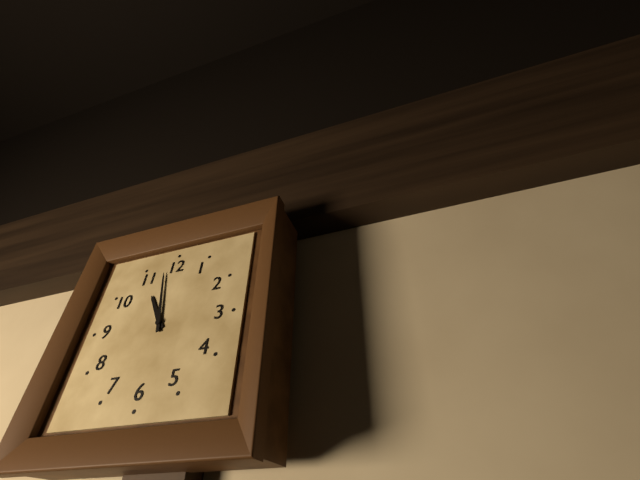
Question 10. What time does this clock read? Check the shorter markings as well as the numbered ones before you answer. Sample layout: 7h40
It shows 10h58
